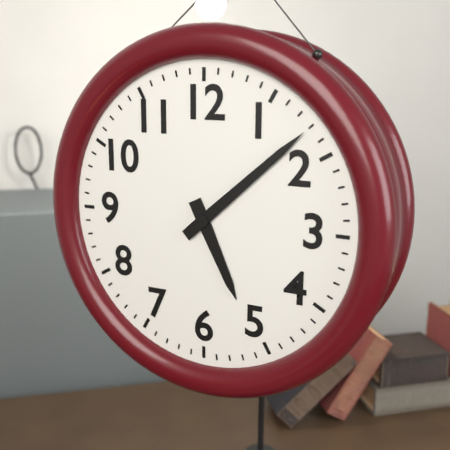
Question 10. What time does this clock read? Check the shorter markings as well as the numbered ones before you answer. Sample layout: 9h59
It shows 5h08
